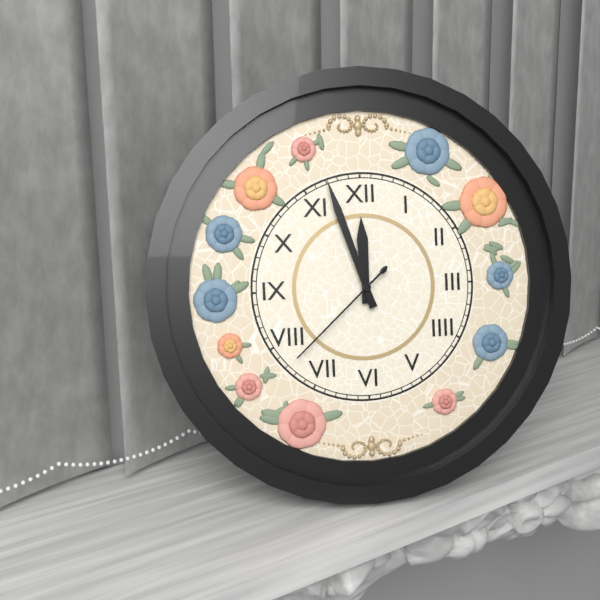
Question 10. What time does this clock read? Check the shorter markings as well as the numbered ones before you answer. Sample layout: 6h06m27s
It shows 11h57m38s
